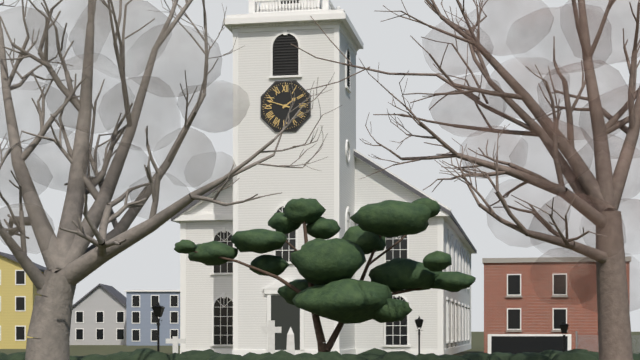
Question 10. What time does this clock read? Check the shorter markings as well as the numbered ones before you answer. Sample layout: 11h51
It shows 1h48
